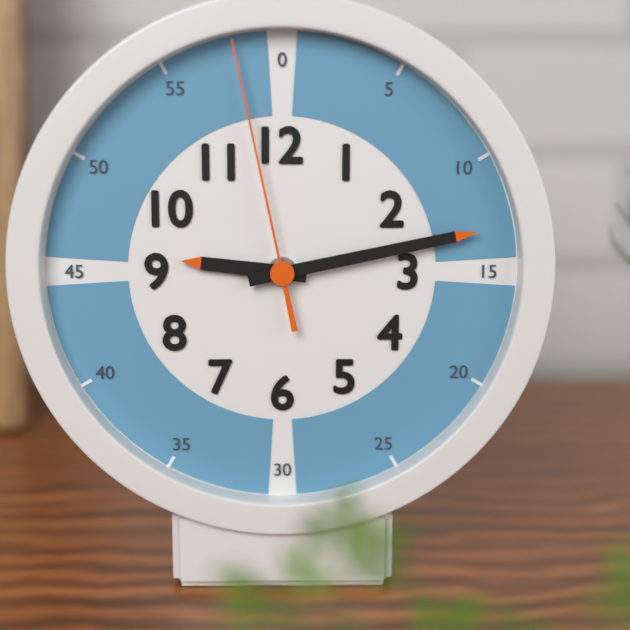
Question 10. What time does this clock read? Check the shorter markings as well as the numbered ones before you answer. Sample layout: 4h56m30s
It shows 9h13m58s
